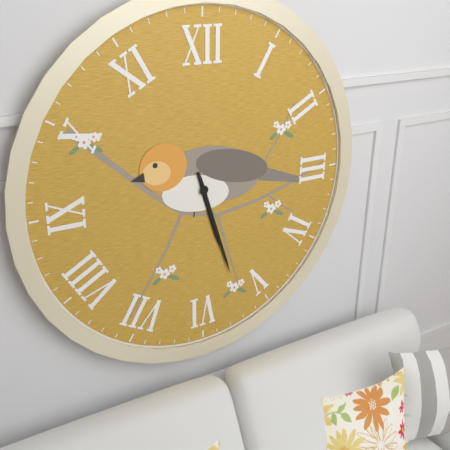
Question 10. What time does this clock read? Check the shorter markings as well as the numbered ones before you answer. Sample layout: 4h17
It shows 5h27
